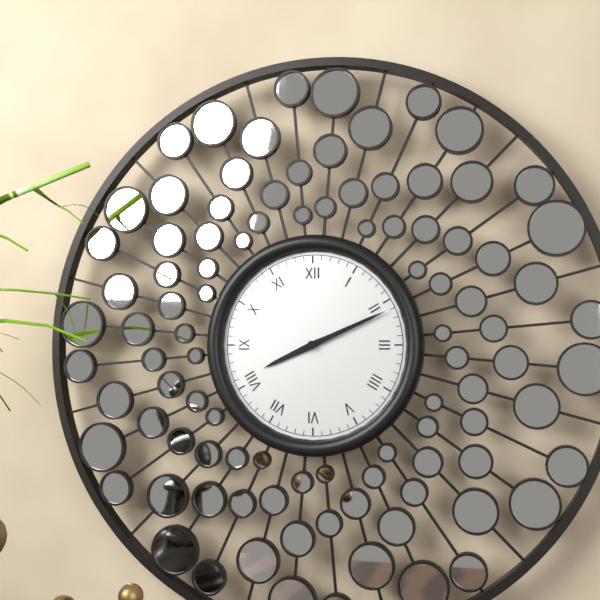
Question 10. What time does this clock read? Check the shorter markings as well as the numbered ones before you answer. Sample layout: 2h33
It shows 8h11
